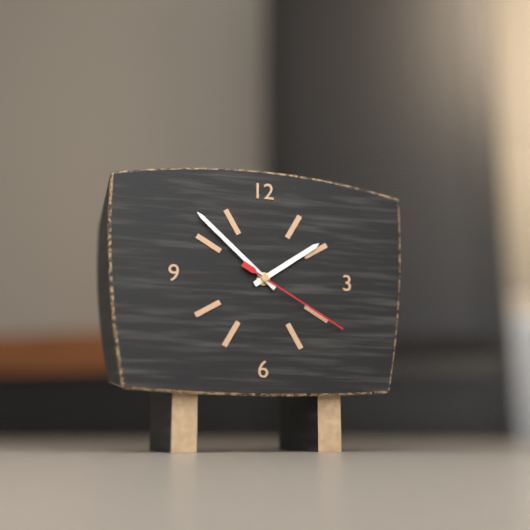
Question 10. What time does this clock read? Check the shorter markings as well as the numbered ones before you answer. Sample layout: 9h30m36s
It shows 1h52m20s
